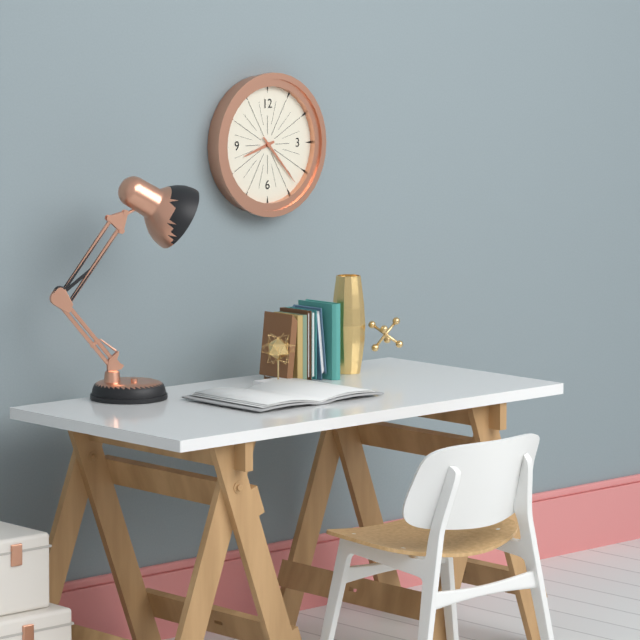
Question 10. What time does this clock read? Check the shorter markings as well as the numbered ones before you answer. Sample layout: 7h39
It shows 8h23
